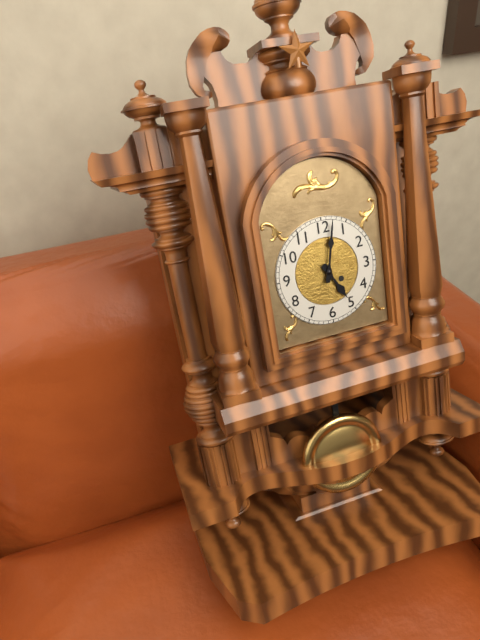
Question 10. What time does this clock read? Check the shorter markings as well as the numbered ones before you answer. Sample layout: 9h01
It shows 5h02
